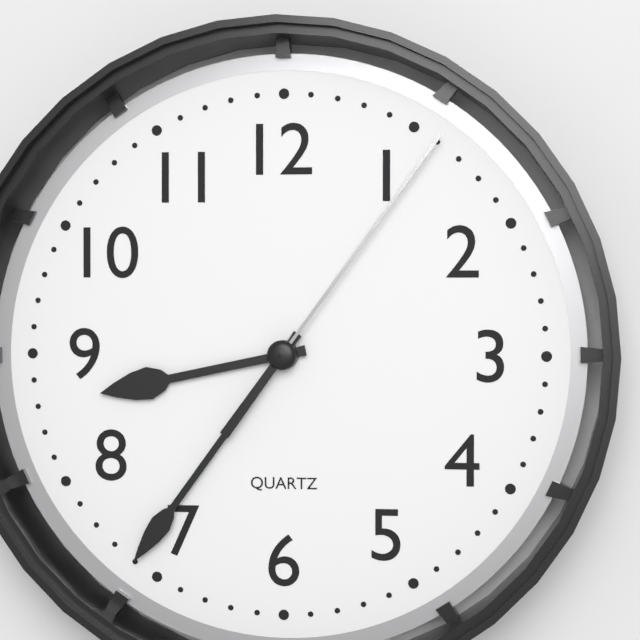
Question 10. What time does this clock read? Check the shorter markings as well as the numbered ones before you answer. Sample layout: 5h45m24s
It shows 8h36m06s
